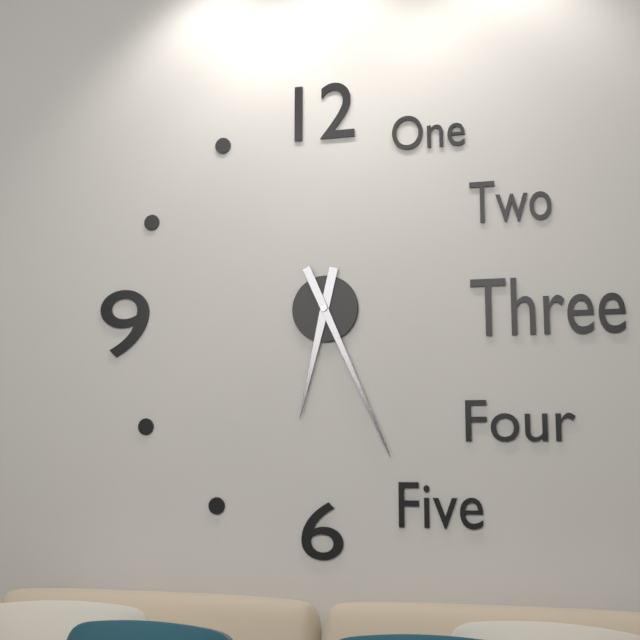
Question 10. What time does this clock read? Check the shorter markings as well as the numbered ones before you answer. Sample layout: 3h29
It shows 6h26
